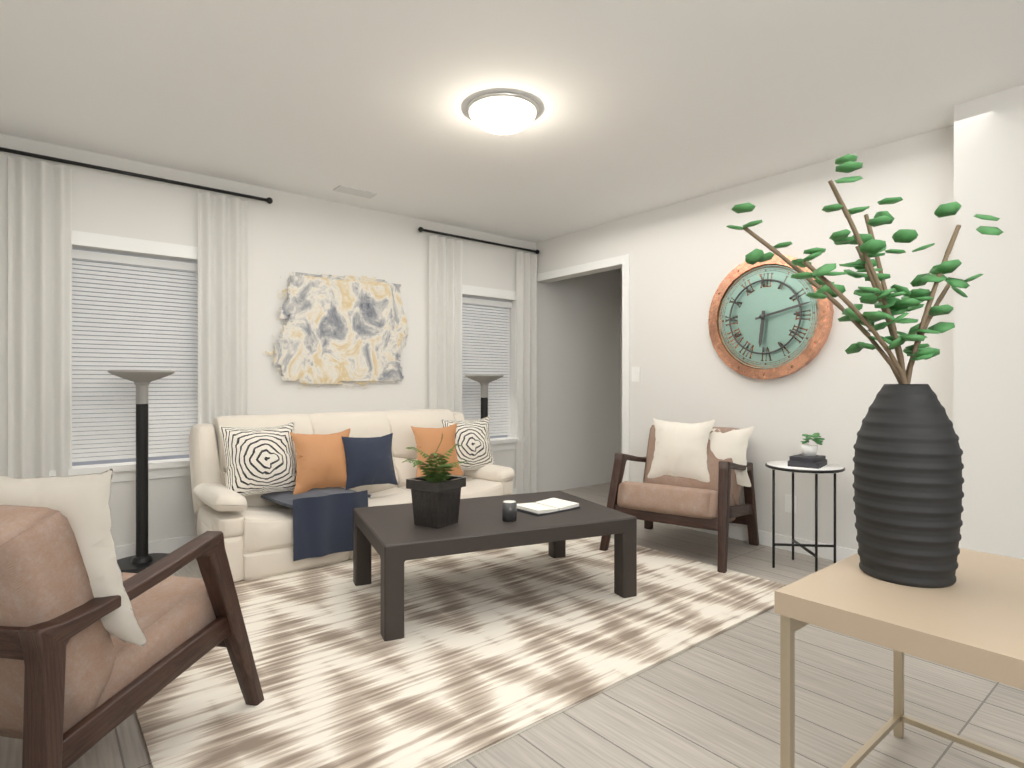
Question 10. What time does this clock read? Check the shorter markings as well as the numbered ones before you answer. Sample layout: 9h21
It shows 6h13
